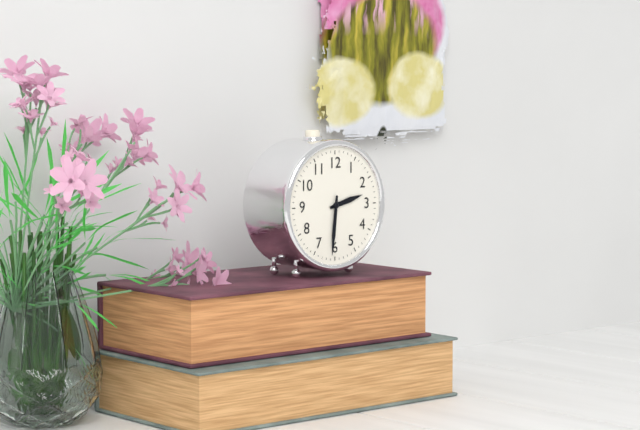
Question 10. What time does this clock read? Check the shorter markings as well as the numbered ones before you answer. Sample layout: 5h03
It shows 2h31
